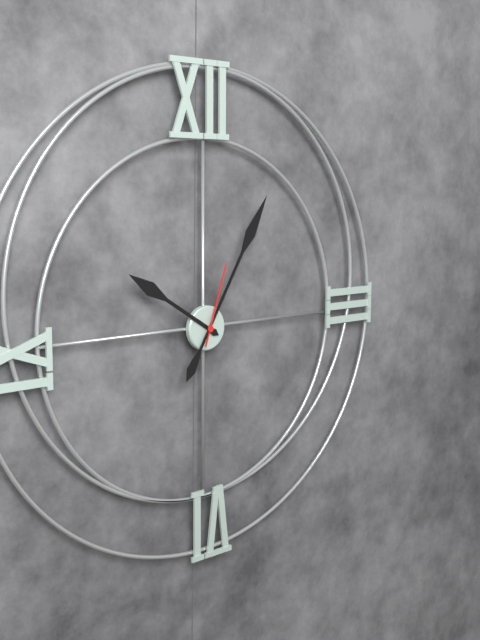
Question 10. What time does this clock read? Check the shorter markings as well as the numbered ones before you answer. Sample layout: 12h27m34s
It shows 10h05m03s
